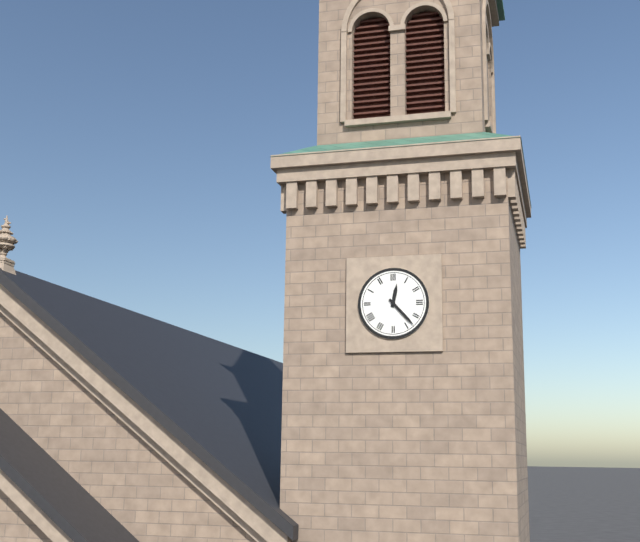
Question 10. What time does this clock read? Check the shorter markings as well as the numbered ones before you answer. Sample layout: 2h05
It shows 12h23
